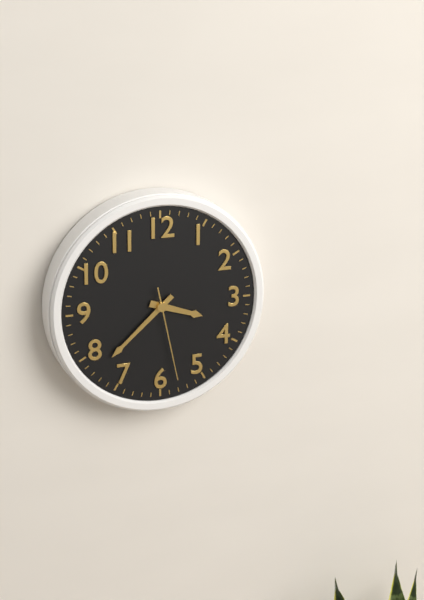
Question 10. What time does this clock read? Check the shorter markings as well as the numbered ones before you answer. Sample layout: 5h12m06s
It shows 3h38m28s
